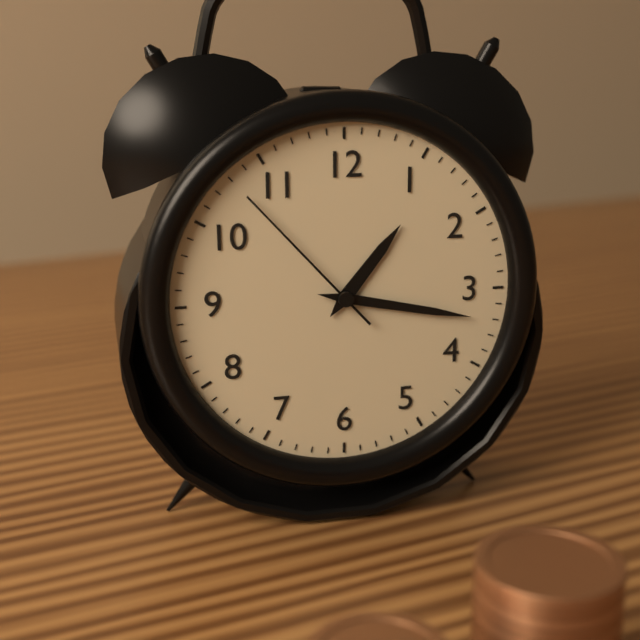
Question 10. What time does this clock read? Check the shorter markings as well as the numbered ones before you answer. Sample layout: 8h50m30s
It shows 1h17m53s
